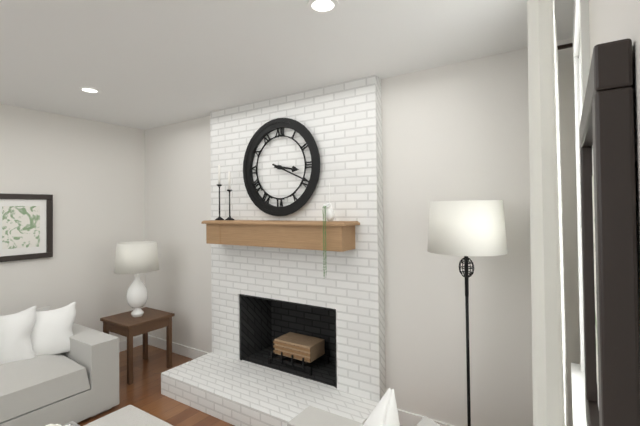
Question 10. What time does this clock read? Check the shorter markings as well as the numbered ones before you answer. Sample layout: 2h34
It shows 3h19
